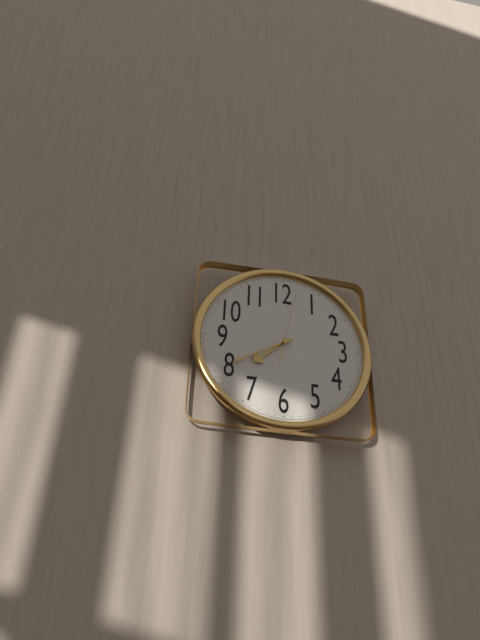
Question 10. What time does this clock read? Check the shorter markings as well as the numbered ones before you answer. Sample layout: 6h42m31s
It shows 7h40m02s
